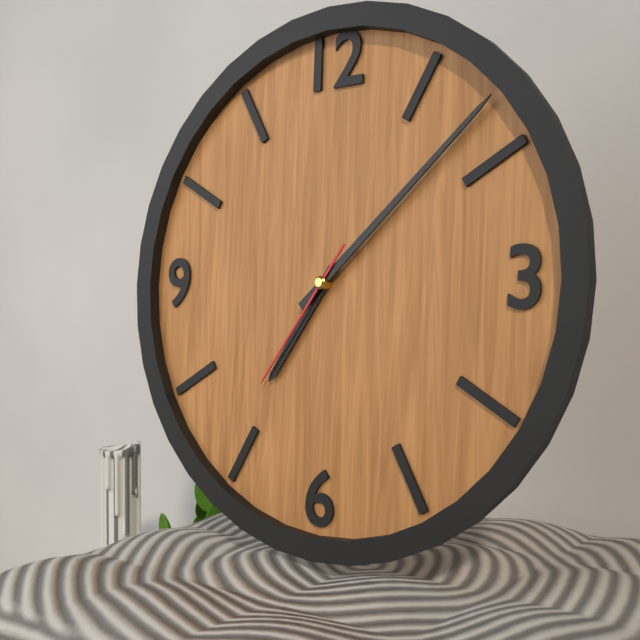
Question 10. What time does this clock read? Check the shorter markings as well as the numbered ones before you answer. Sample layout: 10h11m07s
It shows 7h08m36s
